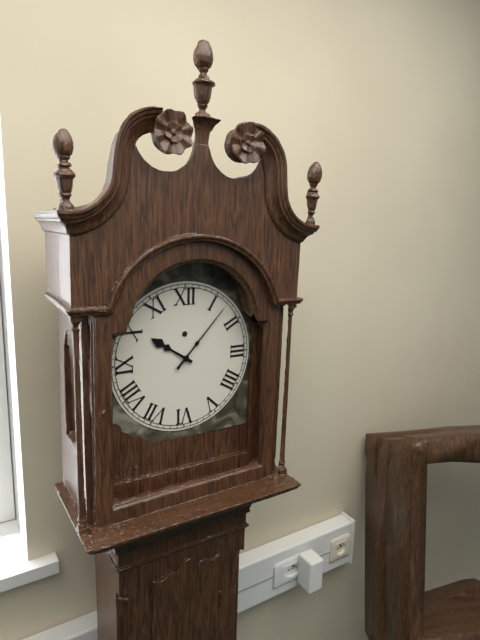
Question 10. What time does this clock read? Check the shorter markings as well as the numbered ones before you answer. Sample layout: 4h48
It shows 10h07
